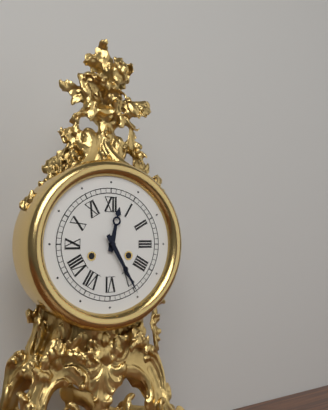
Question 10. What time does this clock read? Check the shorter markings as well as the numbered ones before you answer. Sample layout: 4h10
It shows 12h25
